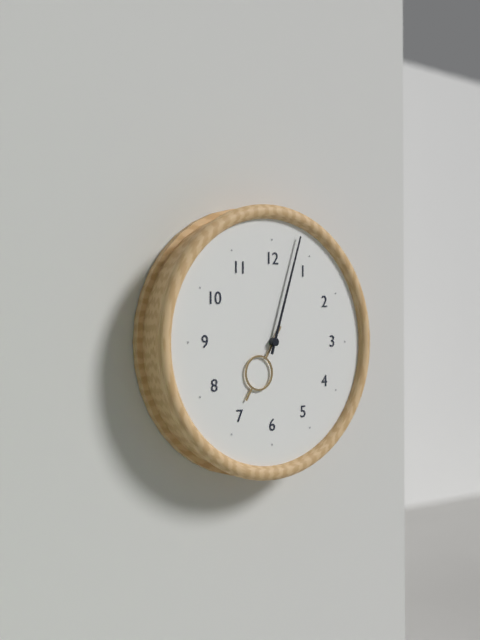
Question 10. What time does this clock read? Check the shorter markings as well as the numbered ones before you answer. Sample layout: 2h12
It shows 7h03
